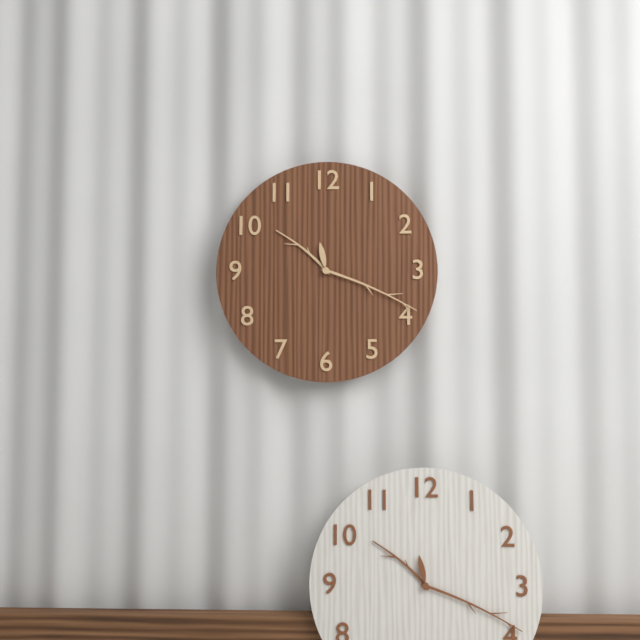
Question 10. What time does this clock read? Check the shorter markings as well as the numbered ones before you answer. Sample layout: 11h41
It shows 10h19
